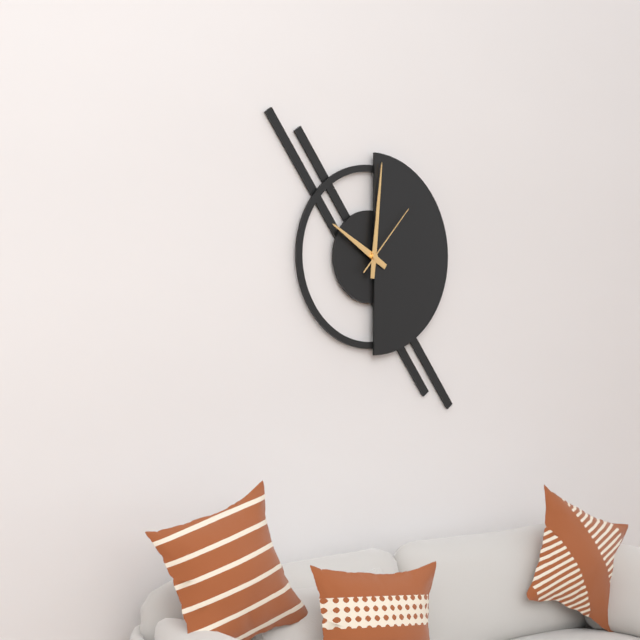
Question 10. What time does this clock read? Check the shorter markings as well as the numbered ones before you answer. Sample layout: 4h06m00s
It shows 10h01m07s
